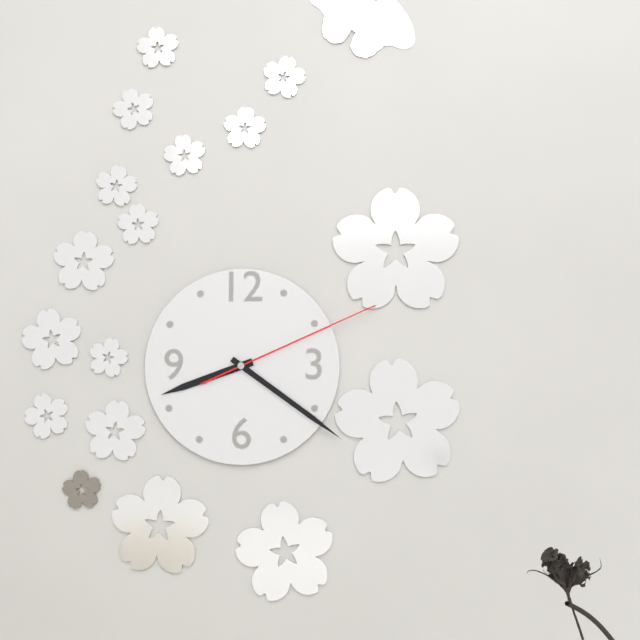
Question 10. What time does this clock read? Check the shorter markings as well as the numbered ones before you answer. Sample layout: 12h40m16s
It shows 8h21m11s
